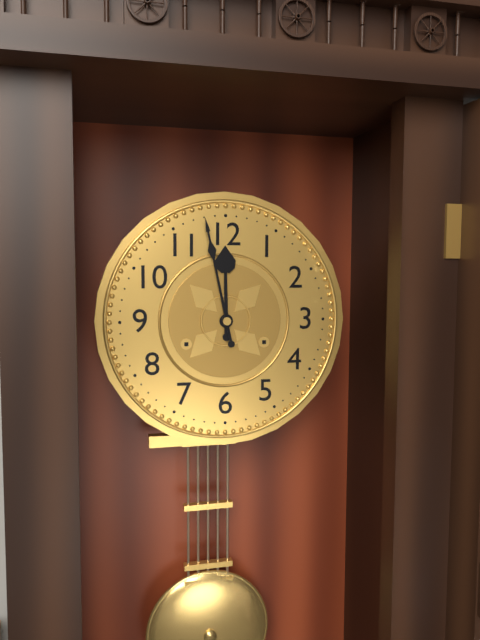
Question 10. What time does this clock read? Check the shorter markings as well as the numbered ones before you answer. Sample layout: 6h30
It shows 11h58
